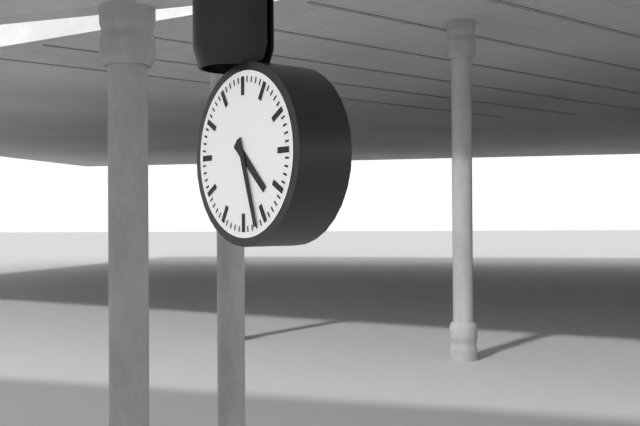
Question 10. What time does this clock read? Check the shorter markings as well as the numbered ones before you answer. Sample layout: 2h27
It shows 4h27
